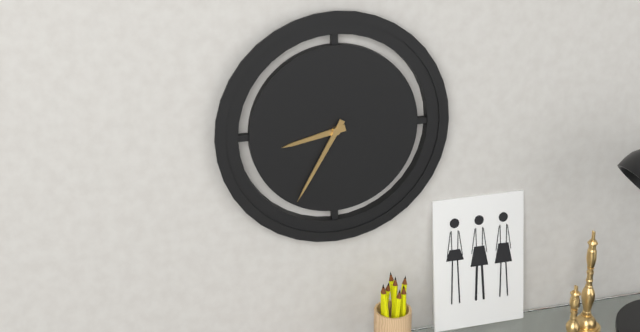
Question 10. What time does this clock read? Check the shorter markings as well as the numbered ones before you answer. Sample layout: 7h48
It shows 8h35
